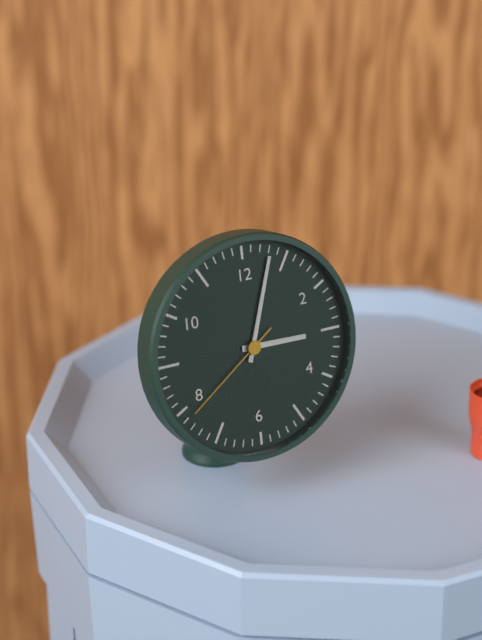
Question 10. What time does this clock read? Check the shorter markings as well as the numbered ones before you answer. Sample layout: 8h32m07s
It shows 3h03m39s
